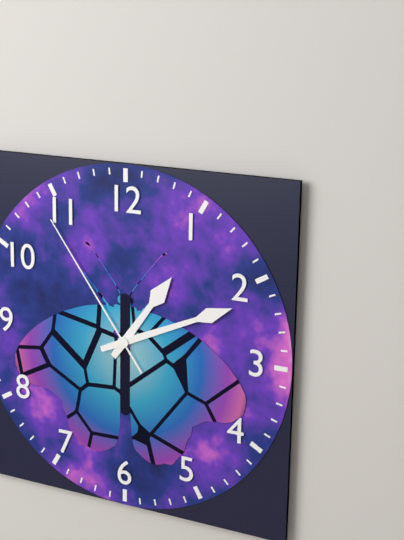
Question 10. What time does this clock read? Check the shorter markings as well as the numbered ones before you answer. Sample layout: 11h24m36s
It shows 1h11m54s
